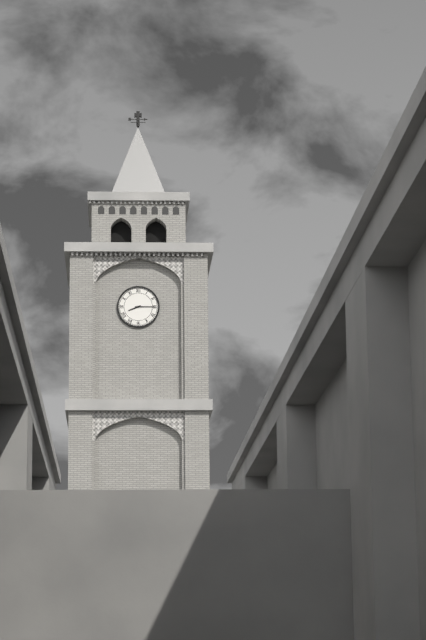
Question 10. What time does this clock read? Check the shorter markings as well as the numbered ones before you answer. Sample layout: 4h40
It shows 8h15
